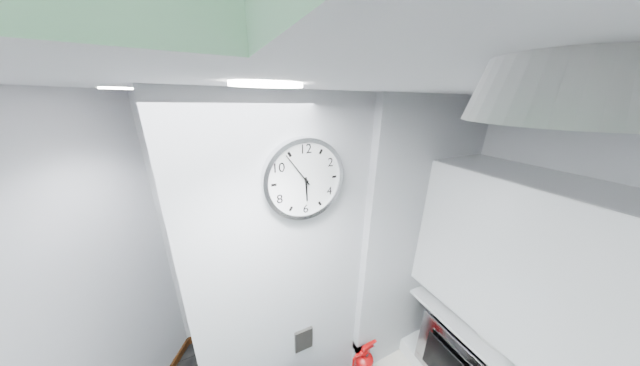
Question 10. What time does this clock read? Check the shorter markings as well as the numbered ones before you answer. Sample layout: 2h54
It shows 5h54
